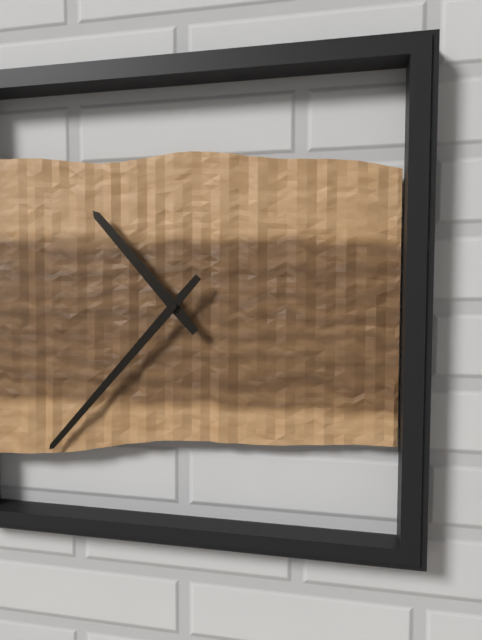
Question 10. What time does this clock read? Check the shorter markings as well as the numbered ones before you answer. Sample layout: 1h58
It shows 10h37
